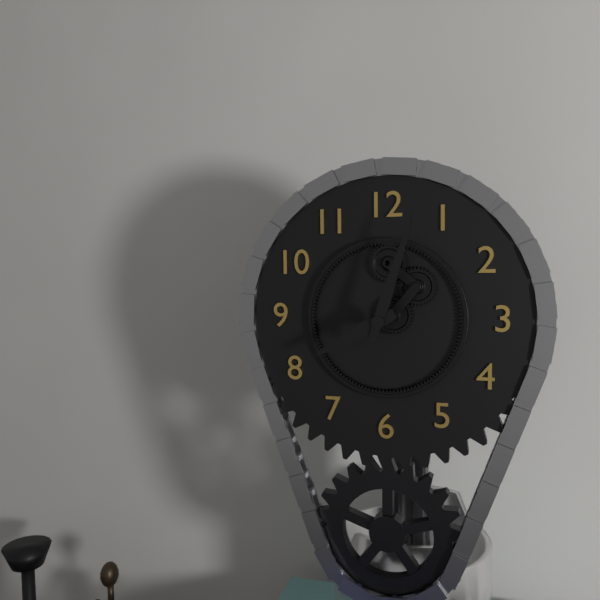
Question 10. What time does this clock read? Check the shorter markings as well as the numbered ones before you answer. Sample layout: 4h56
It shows 8h03
